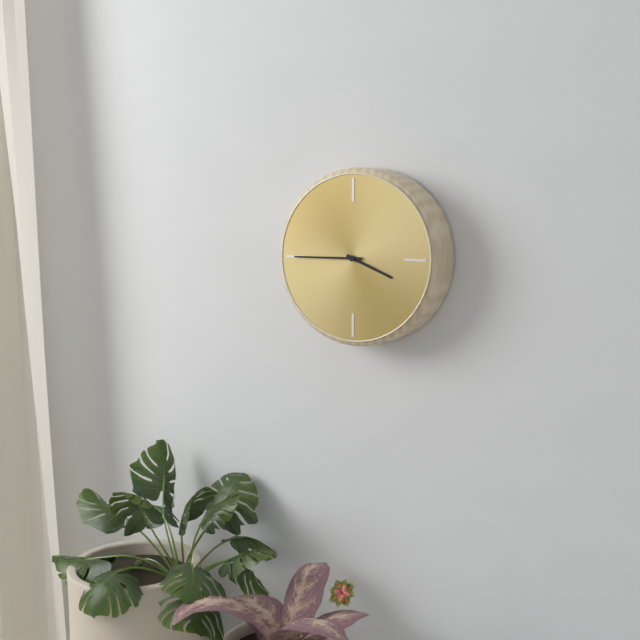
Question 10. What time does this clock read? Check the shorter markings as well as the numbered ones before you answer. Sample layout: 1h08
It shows 3h45
